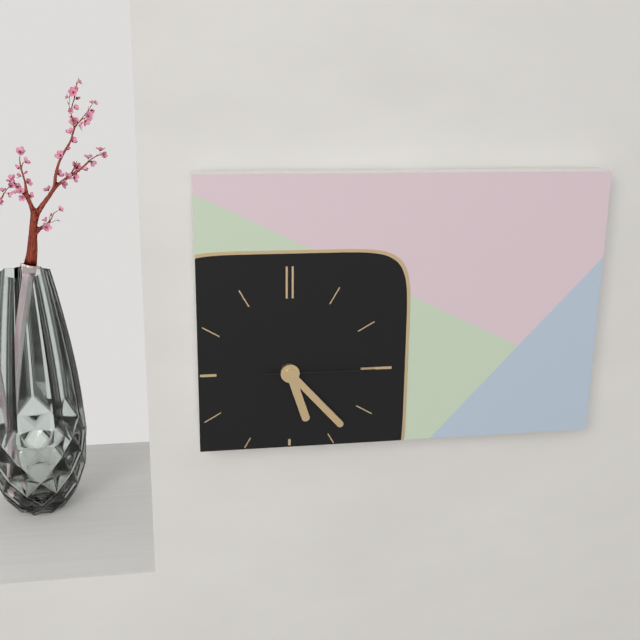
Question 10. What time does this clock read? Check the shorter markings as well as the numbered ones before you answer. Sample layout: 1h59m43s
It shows 5h23m15s
